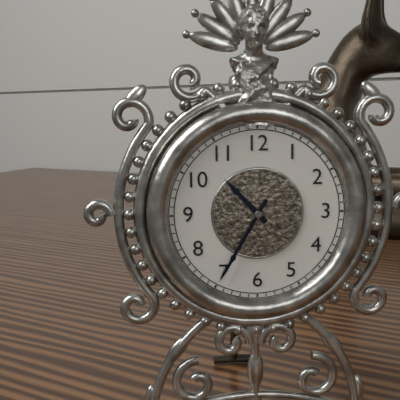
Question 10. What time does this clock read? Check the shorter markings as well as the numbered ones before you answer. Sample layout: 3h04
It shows 10h35
